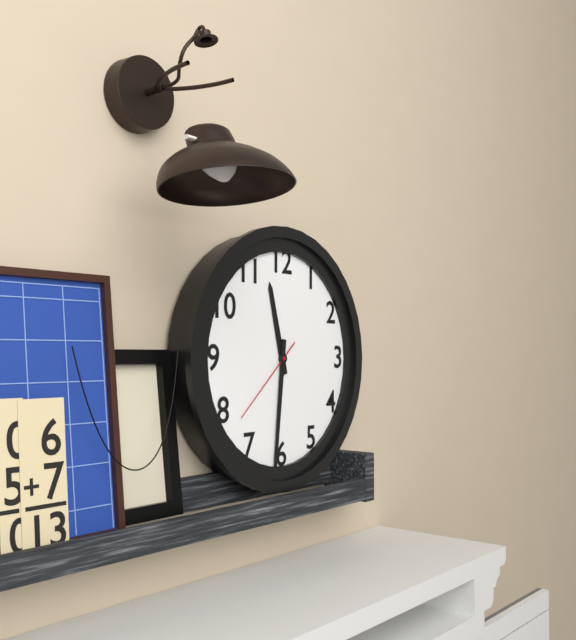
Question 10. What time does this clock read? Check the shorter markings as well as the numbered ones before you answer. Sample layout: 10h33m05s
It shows 11h31m38s
